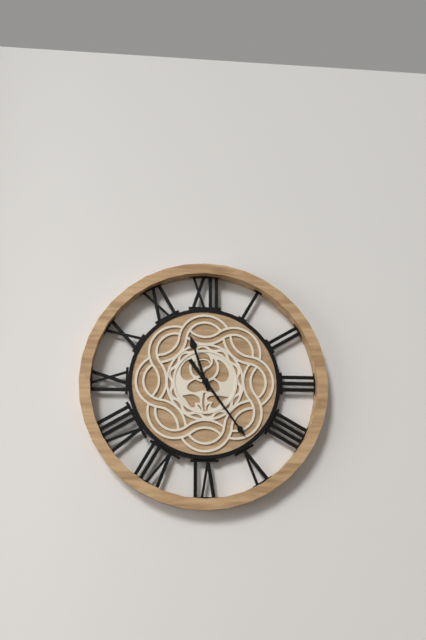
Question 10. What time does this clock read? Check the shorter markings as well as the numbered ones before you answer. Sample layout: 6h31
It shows 11h24
